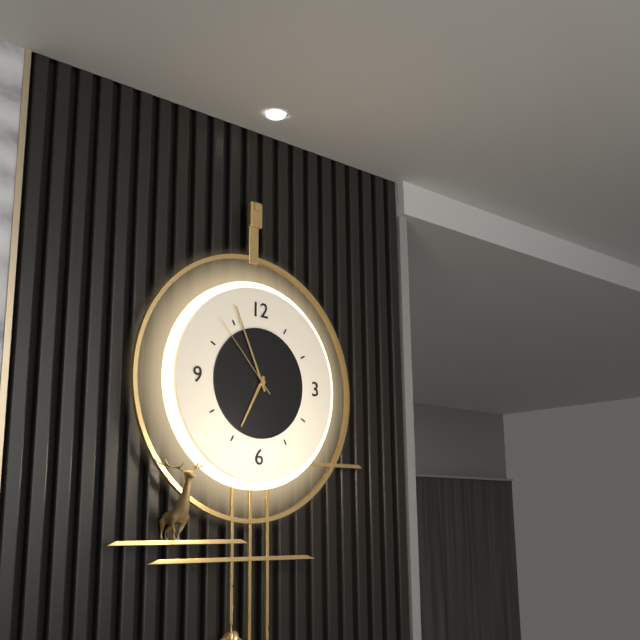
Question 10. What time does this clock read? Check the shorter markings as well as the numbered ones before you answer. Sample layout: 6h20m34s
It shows 6h56m53s
